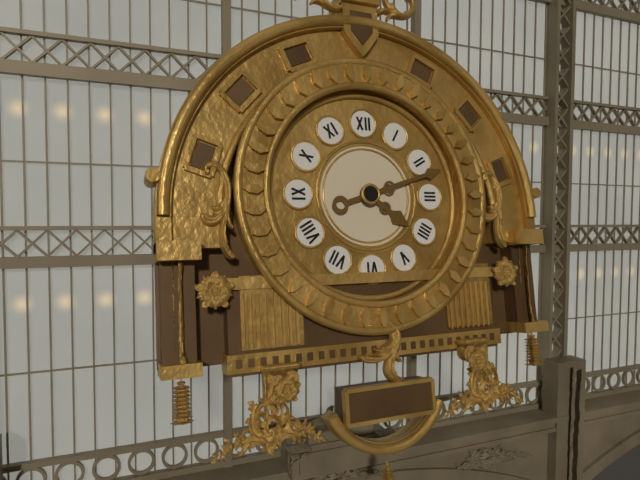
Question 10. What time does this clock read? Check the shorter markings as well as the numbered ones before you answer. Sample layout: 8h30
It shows 4h12
